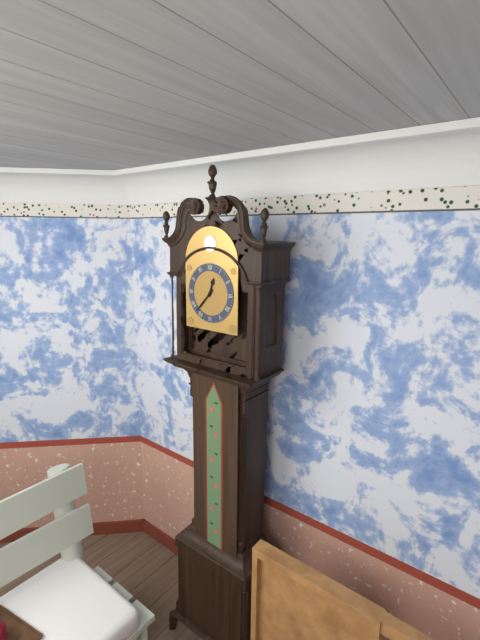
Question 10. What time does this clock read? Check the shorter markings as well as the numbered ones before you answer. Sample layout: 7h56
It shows 12h37
